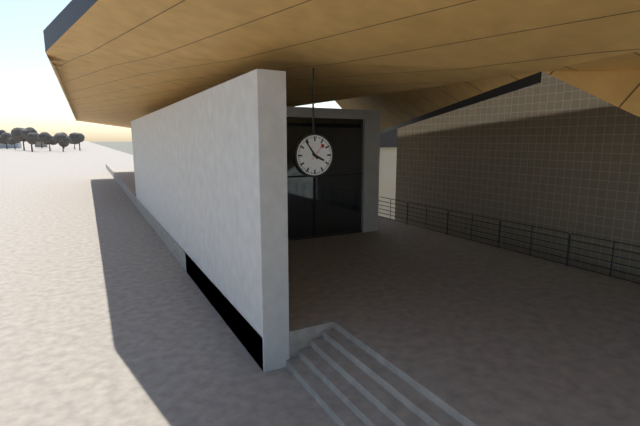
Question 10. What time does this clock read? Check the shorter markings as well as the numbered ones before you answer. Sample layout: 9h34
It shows 3h54
